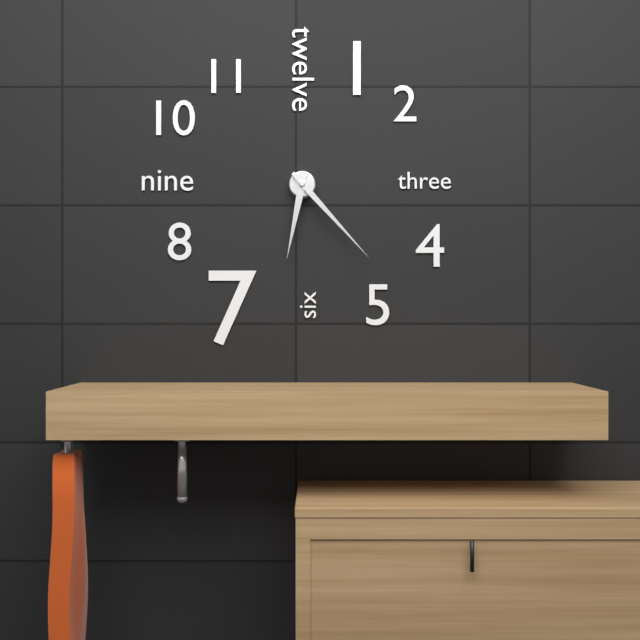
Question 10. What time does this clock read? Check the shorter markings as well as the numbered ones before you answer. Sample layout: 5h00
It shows 6h23
